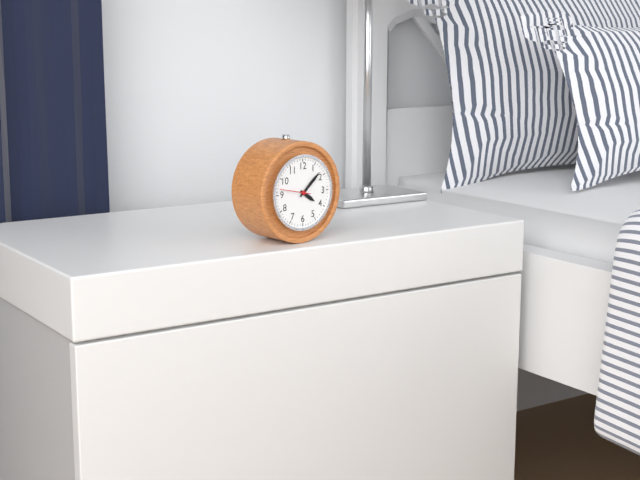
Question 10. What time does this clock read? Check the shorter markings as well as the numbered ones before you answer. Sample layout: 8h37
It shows 4h08
